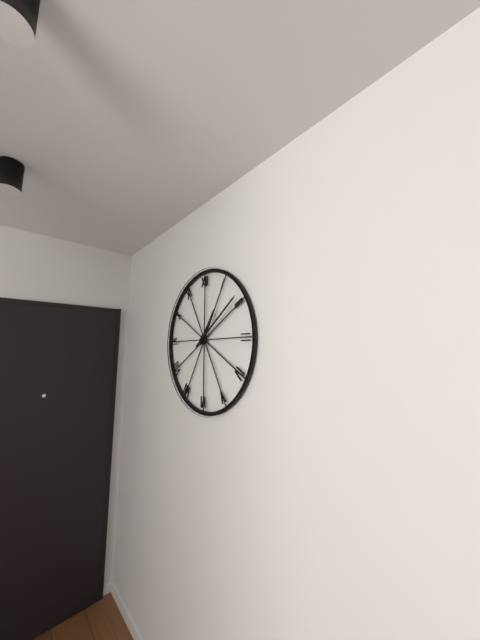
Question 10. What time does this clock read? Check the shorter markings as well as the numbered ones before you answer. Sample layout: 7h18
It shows 1h09
